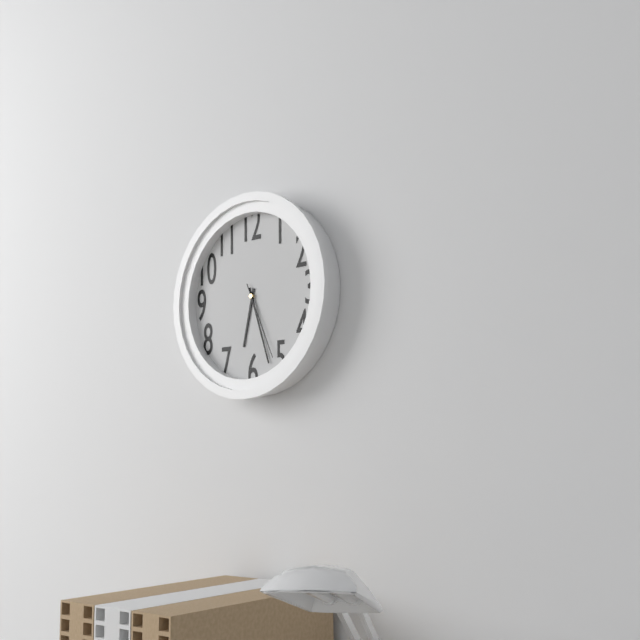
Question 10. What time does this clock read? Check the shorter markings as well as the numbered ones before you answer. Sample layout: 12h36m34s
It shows 6h27m26s
